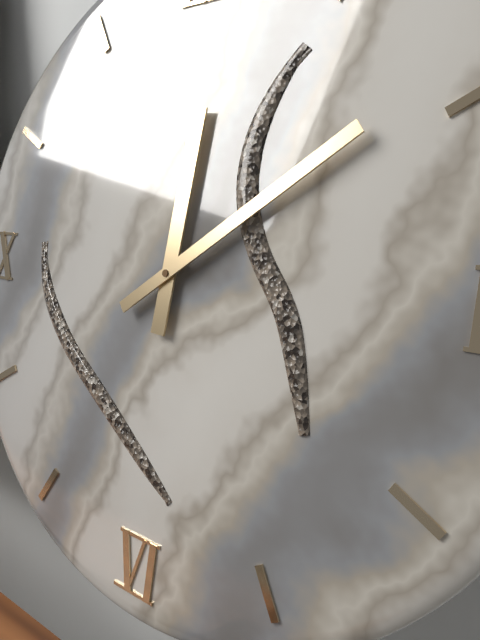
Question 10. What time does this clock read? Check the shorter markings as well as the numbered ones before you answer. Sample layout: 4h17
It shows 12h09
